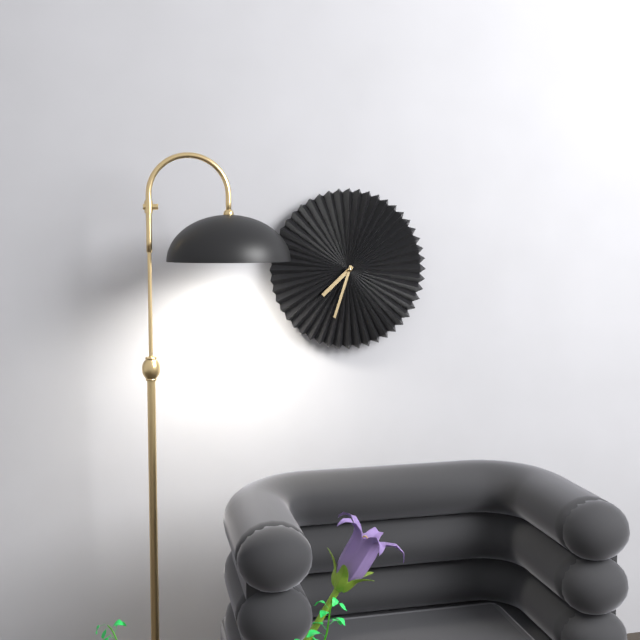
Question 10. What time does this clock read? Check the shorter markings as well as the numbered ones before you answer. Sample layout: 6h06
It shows 7h33
